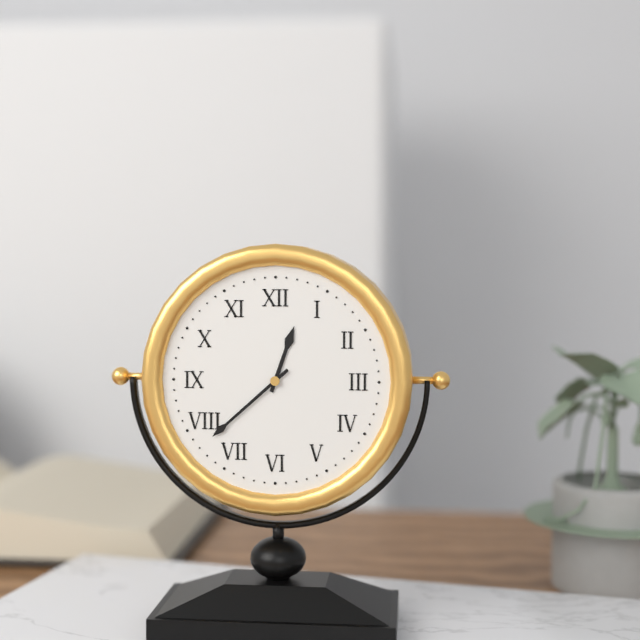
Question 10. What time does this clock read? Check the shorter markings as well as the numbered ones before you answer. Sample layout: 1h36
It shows 12h38
